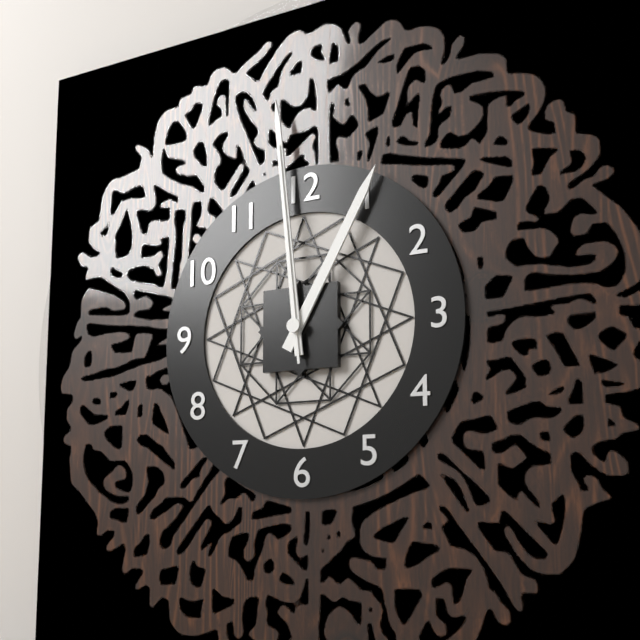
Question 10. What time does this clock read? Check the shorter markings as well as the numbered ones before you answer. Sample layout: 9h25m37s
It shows 12h59m59s
